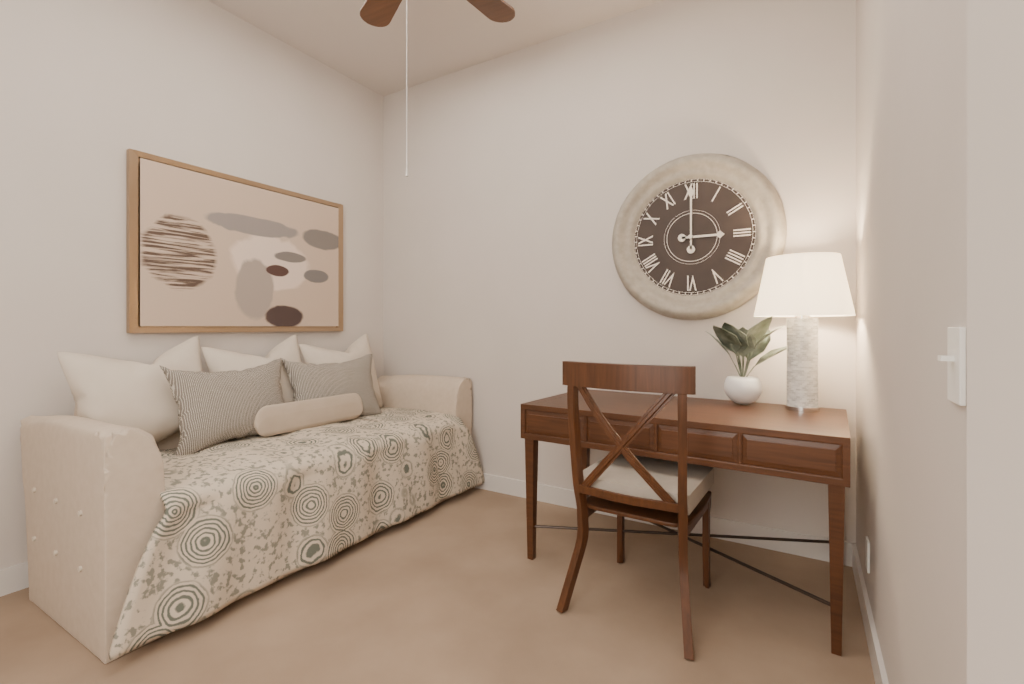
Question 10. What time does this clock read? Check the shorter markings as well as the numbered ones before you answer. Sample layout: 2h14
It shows 3h00
